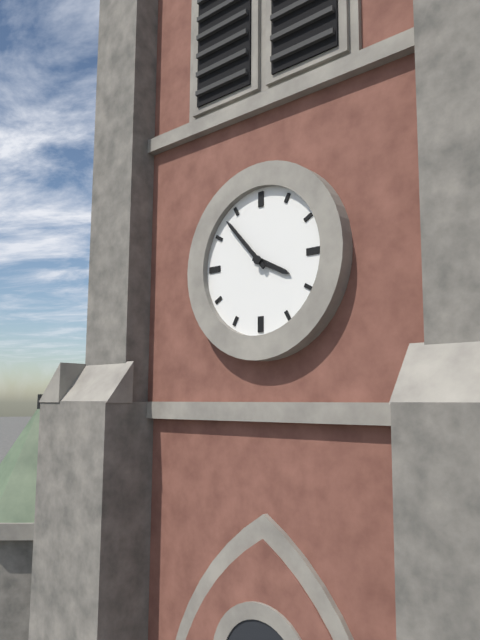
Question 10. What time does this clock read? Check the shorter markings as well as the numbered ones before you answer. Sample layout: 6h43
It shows 3h53
